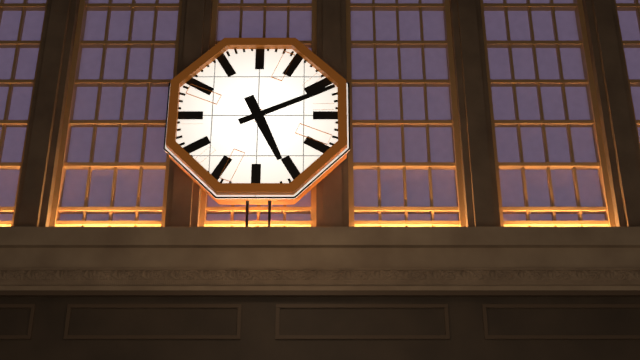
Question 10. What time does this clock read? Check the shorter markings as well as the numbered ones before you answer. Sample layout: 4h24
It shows 5h11
